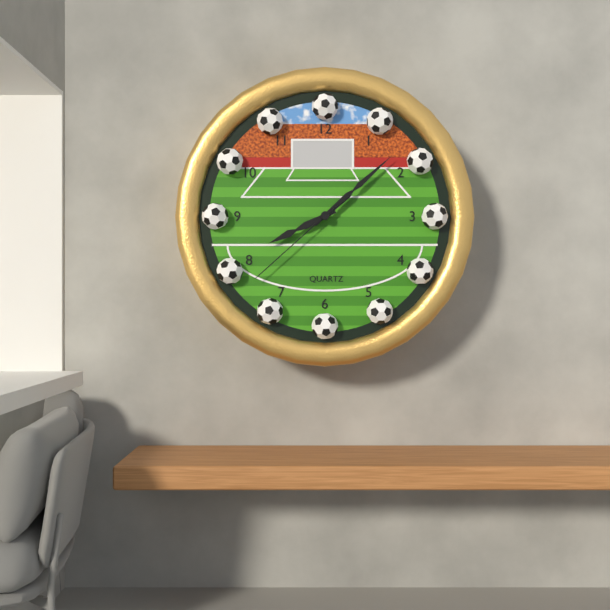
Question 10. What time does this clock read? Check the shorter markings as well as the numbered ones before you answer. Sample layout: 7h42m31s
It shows 8h08m38s
